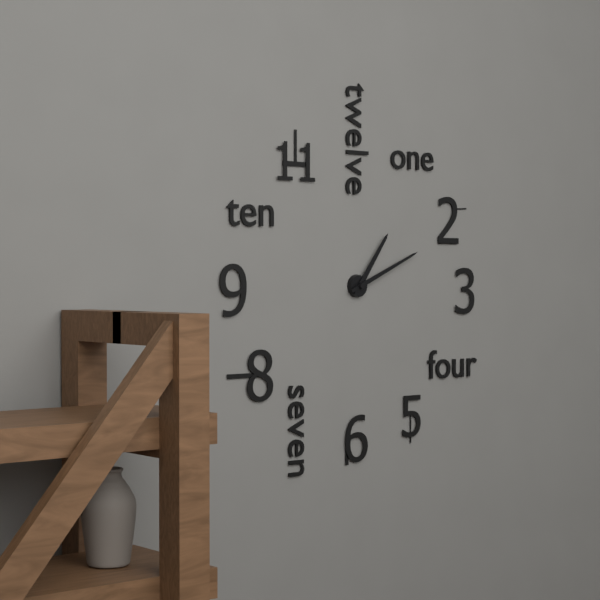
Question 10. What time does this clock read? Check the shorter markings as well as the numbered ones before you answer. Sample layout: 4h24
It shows 1h11
